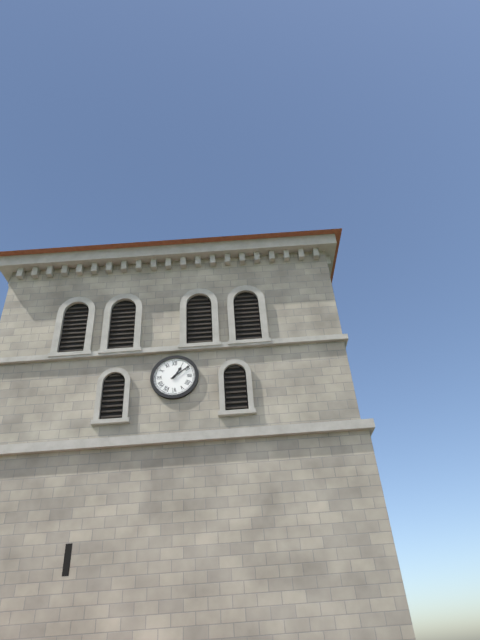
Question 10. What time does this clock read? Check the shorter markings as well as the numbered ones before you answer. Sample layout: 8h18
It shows 1h09
